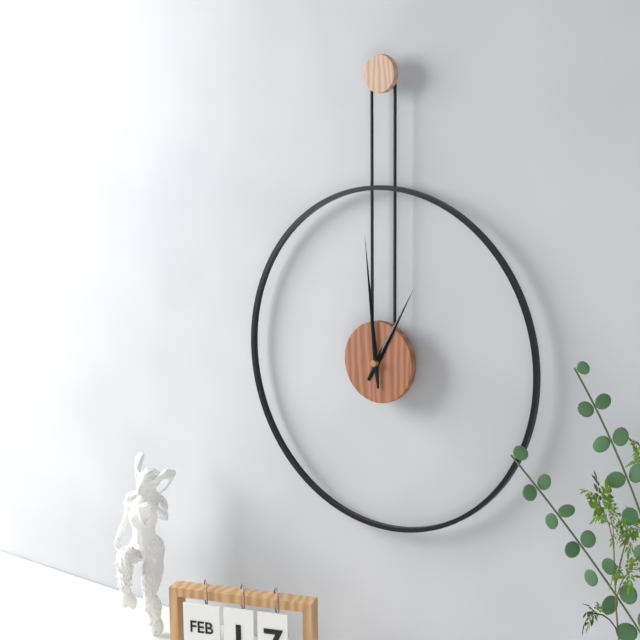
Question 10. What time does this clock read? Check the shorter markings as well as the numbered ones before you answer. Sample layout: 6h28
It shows 12h59
